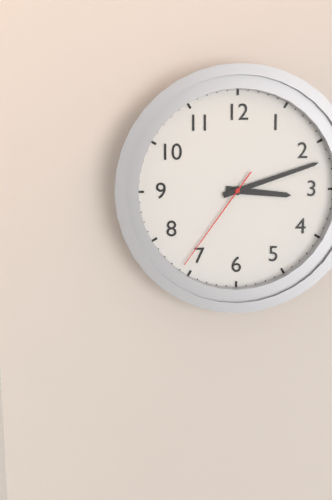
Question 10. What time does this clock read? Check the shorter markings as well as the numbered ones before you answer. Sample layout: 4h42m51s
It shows 3h12m36s
